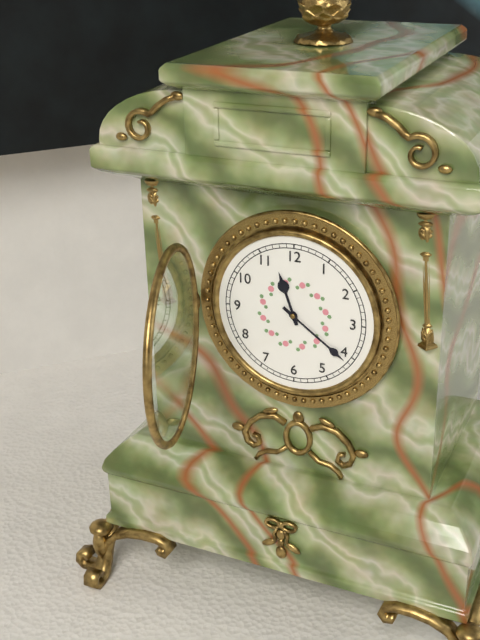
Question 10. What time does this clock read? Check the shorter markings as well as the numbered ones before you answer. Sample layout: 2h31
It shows 11h21
